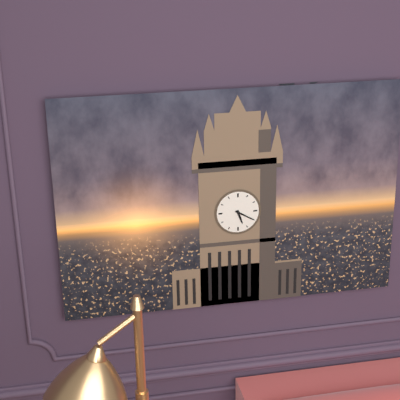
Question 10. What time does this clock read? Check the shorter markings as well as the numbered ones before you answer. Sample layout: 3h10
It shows 5h20
